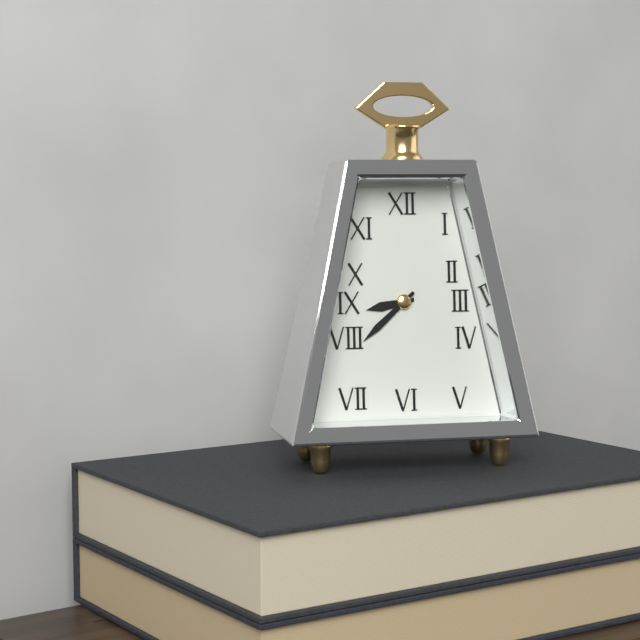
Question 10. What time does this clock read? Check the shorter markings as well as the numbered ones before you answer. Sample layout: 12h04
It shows 8h38
